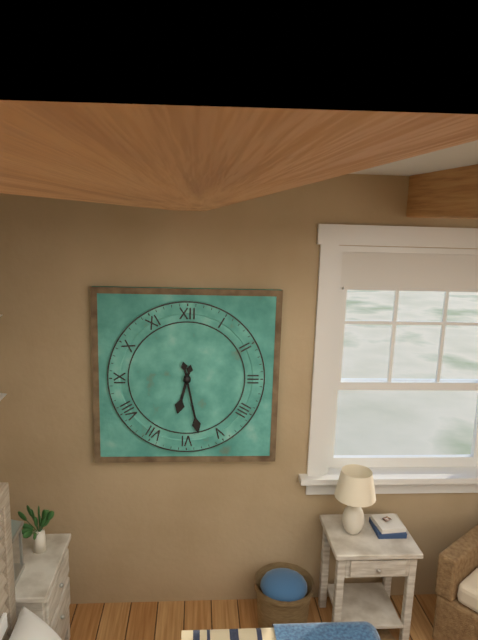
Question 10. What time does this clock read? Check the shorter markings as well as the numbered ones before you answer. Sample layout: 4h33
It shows 6h28
